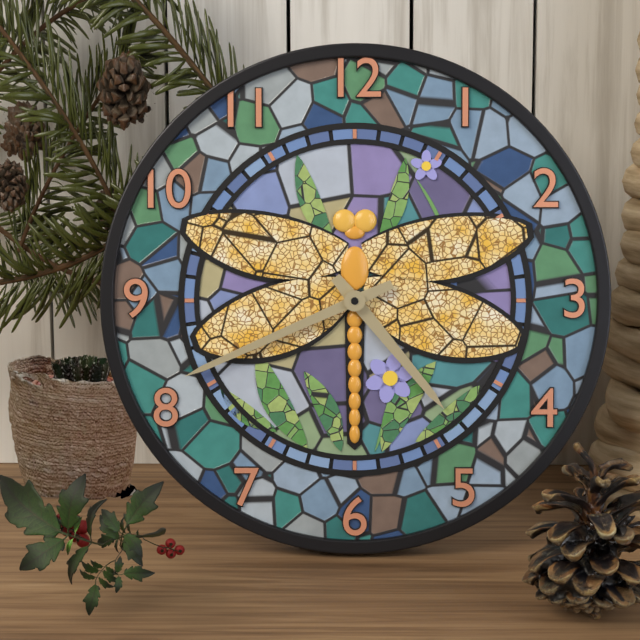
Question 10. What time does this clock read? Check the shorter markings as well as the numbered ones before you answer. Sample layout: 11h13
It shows 4h41
